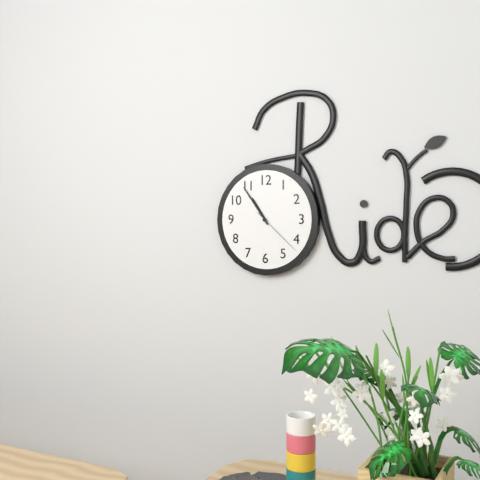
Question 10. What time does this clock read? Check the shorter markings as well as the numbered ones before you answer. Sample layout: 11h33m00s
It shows 10h54m22s
